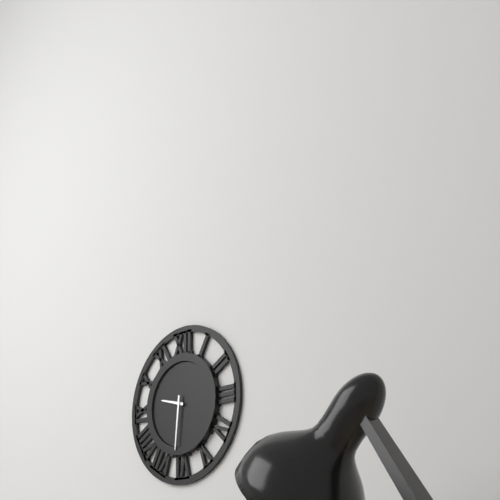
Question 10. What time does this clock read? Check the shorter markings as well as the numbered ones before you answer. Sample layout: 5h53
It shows 9h31
